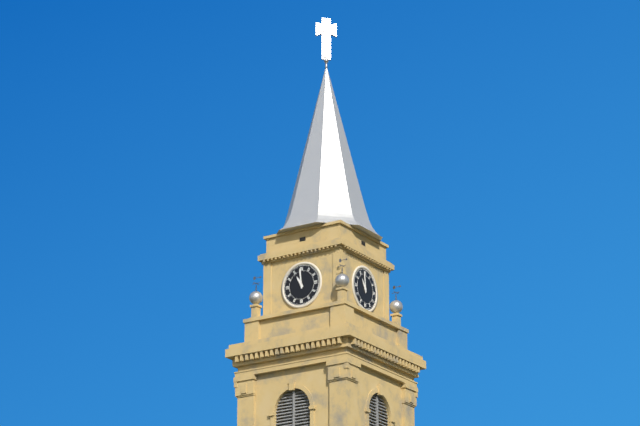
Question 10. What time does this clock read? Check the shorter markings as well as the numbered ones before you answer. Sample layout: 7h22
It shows 10h59
